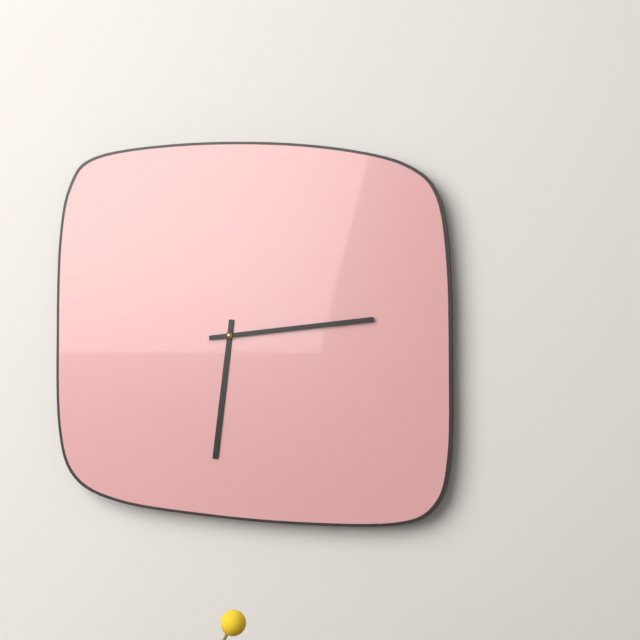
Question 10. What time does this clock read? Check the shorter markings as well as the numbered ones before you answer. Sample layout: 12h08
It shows 6h14
